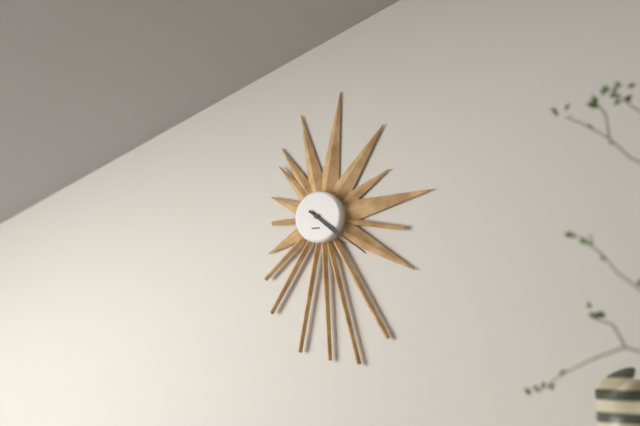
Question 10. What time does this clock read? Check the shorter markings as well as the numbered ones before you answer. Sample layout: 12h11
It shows 4h21
